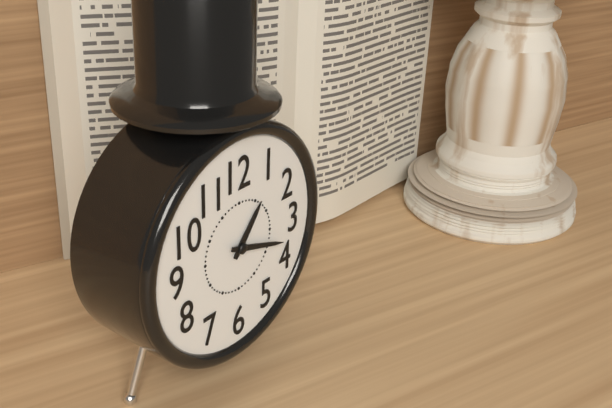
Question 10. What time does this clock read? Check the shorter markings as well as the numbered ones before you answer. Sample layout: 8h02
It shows 1h18
